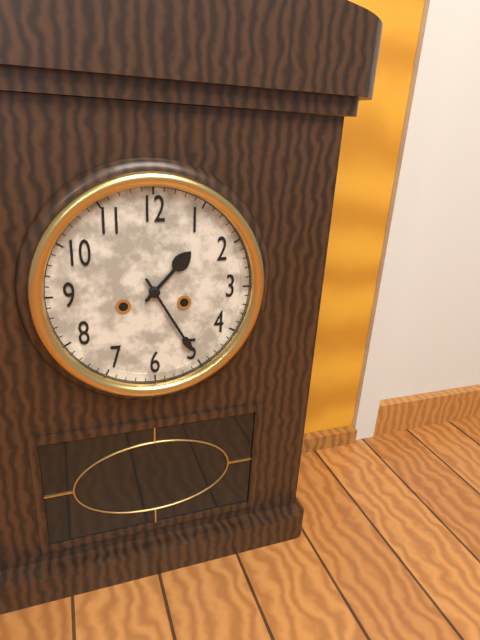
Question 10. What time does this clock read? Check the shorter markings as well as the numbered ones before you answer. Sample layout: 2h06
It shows 1h25
